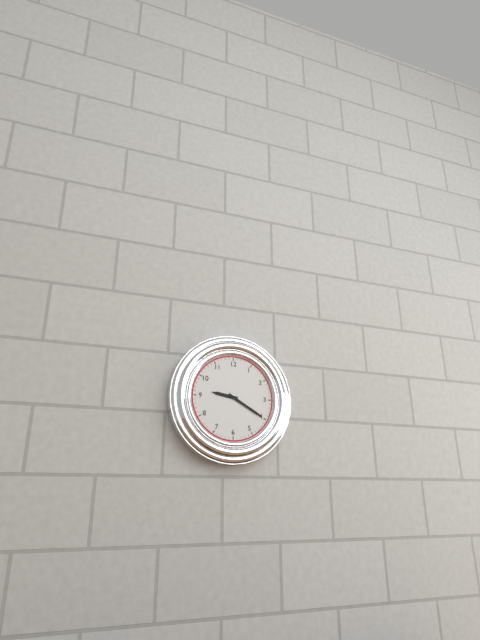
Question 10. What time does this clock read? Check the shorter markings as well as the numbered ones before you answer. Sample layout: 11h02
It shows 9h20
